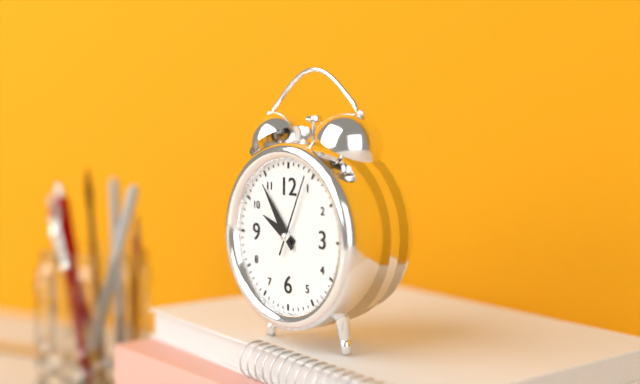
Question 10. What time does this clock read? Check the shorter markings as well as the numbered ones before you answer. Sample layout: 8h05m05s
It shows 9h54m04s
